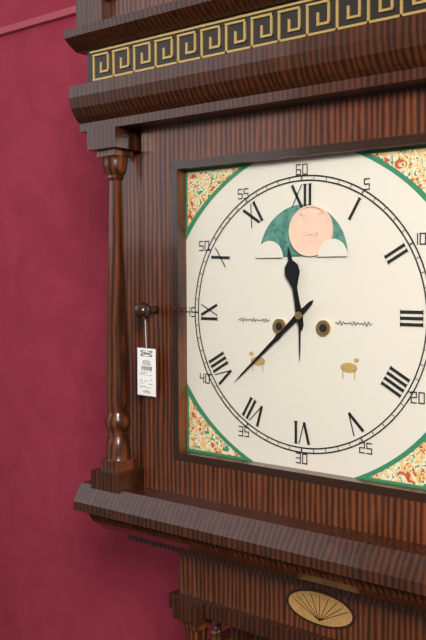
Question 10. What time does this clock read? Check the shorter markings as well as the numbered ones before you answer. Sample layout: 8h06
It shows 11h38
